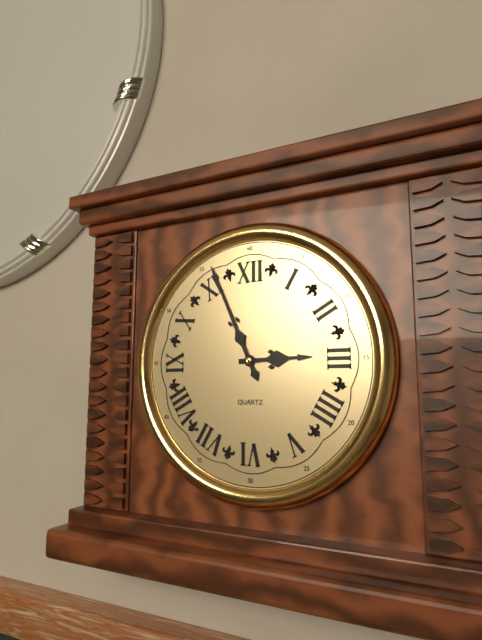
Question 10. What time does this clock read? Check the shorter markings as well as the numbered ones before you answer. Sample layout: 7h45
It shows 2h56
